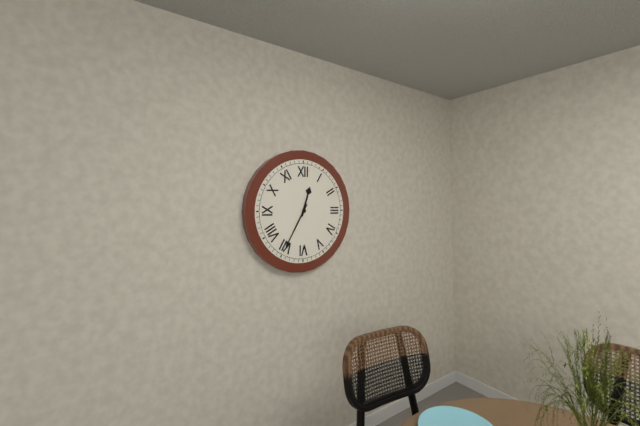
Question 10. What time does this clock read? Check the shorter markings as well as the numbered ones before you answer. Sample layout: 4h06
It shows 12h35
